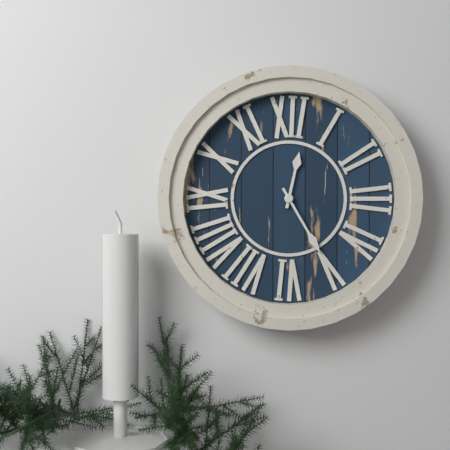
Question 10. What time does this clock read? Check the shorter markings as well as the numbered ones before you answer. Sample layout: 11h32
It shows 12h25
